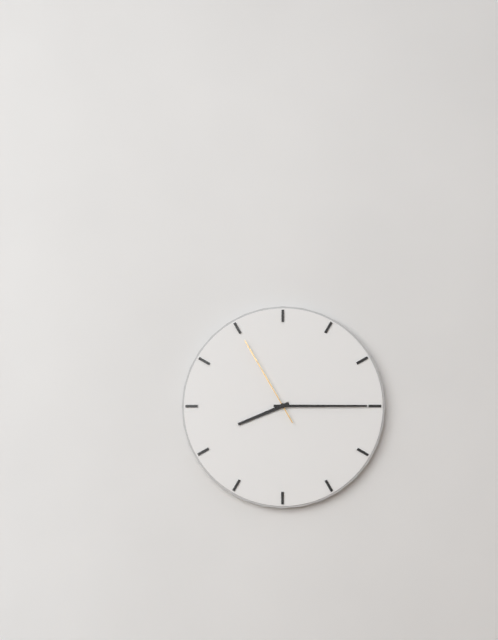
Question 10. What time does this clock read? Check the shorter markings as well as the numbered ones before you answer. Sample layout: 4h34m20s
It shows 8h15m55s
